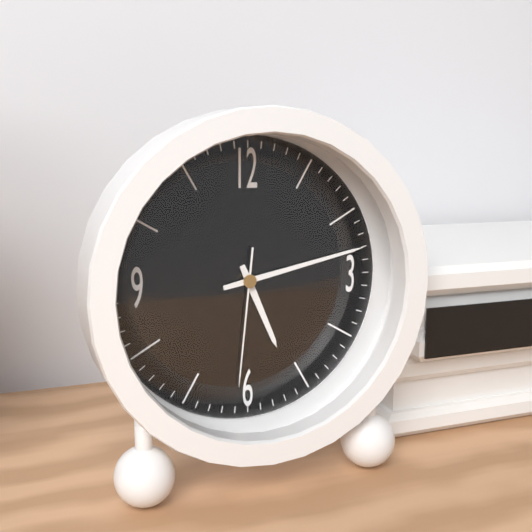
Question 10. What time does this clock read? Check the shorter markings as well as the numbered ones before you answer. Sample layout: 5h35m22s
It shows 5h13m31s
